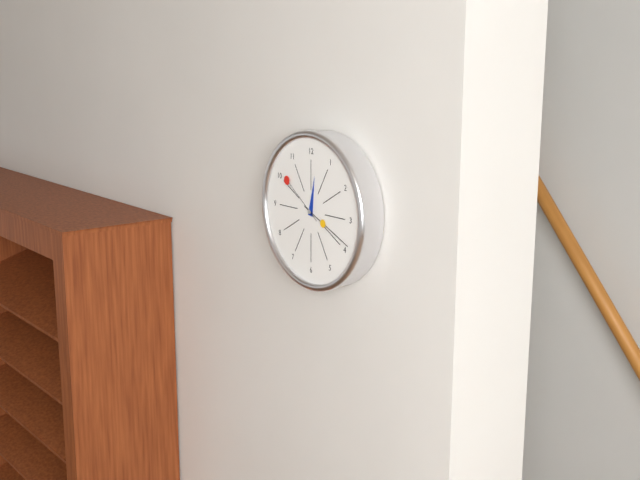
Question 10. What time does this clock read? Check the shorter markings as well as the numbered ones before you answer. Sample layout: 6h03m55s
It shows 12h19m51s
